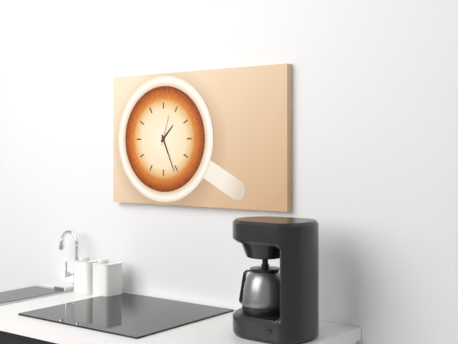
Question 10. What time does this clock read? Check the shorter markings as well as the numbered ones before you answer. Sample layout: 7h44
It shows 1h26
